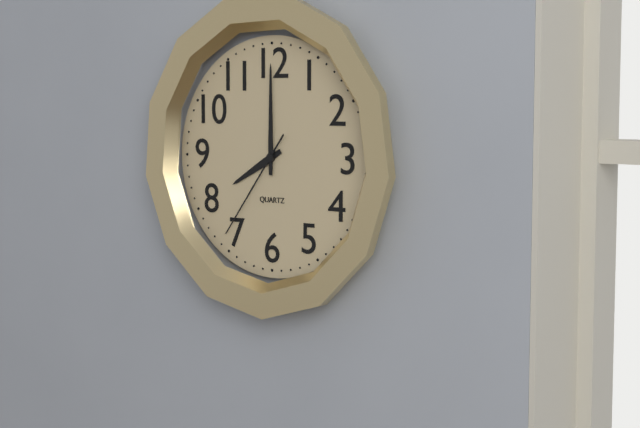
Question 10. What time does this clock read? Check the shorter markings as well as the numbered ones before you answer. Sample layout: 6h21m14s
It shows 8h00m36s
